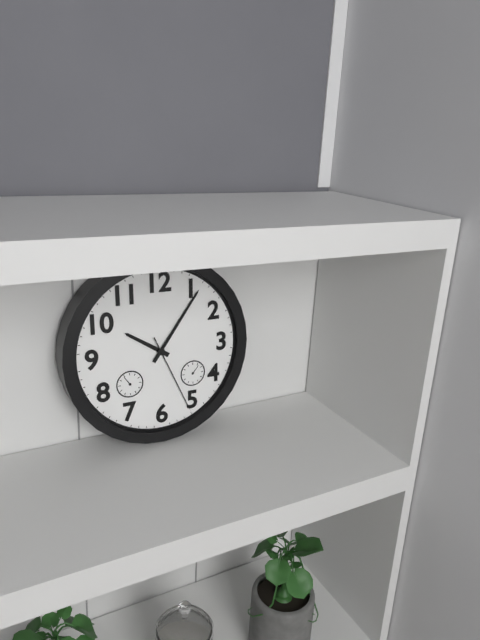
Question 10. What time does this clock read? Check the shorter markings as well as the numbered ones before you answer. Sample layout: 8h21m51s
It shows 10h06m26s
